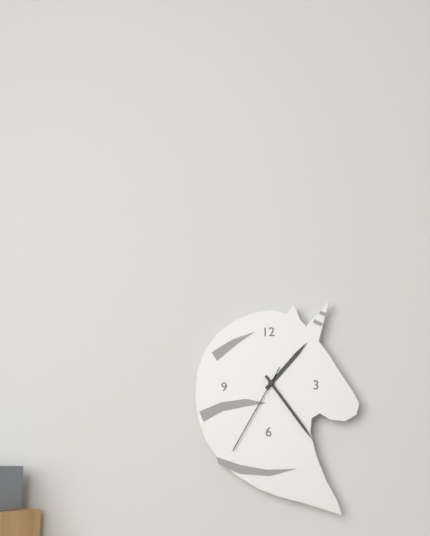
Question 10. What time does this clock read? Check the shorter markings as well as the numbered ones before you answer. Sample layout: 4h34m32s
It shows 1h24m35s
